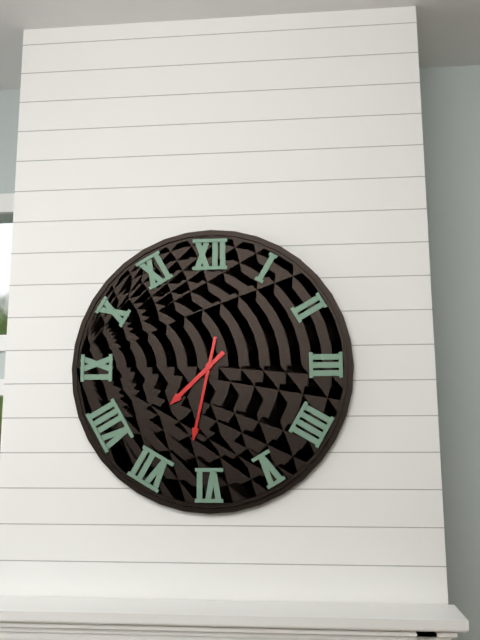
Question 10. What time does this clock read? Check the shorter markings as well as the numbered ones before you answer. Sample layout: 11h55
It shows 7h32
